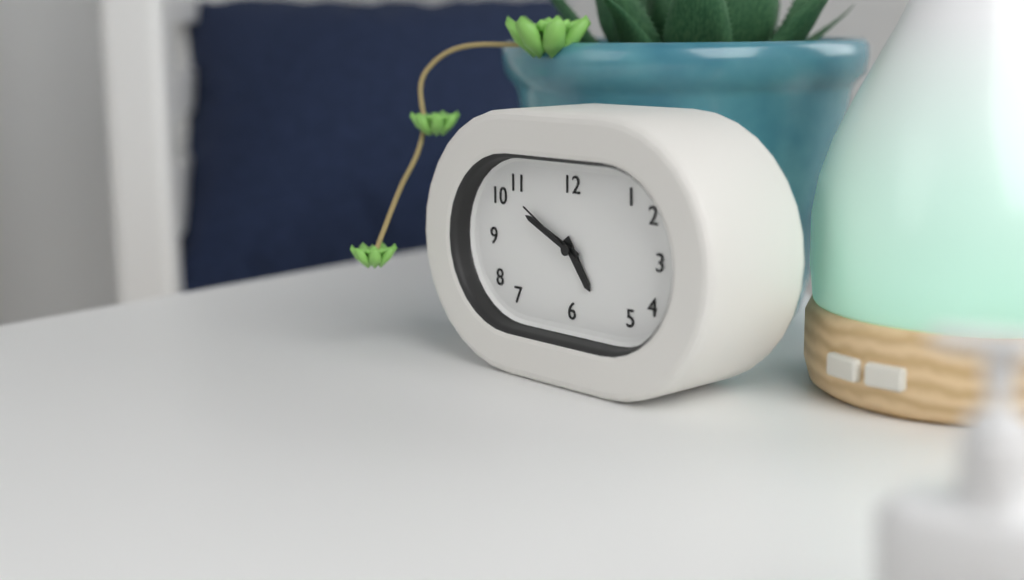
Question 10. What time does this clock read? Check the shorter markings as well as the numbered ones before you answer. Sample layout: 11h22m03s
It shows 4h49m50s
